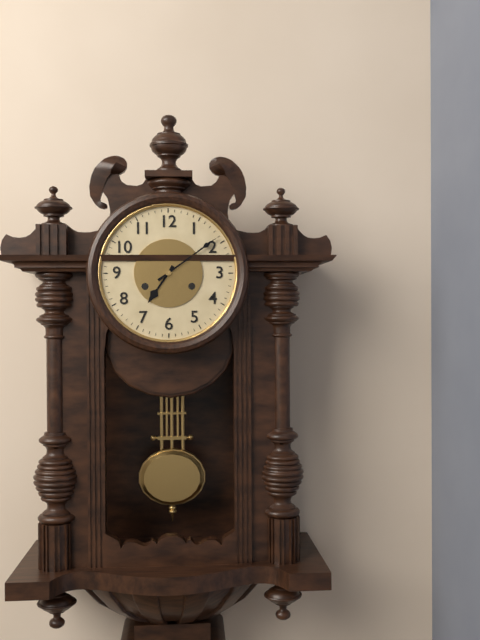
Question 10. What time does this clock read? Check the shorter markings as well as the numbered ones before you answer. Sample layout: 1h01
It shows 7h09
